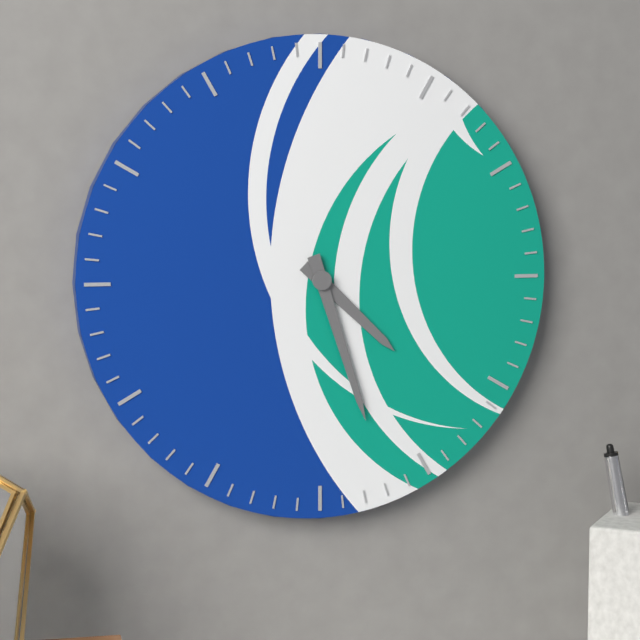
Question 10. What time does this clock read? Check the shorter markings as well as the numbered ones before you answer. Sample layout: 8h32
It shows 4h27
